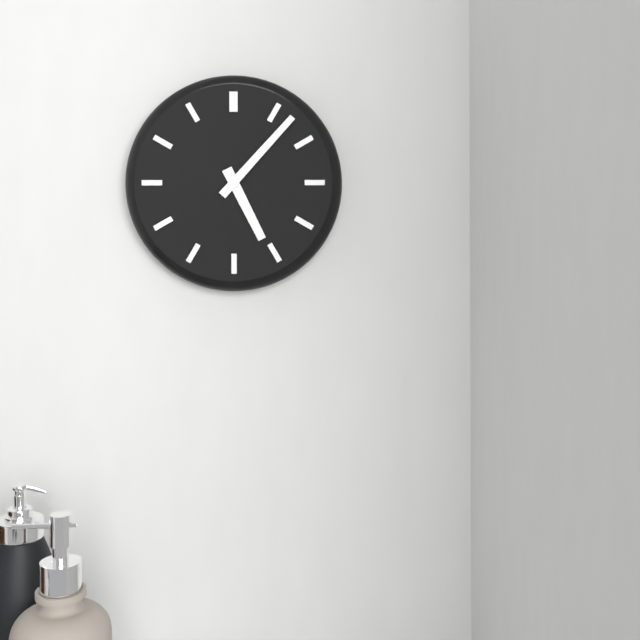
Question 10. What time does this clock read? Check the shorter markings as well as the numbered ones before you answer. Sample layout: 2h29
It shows 5h07
